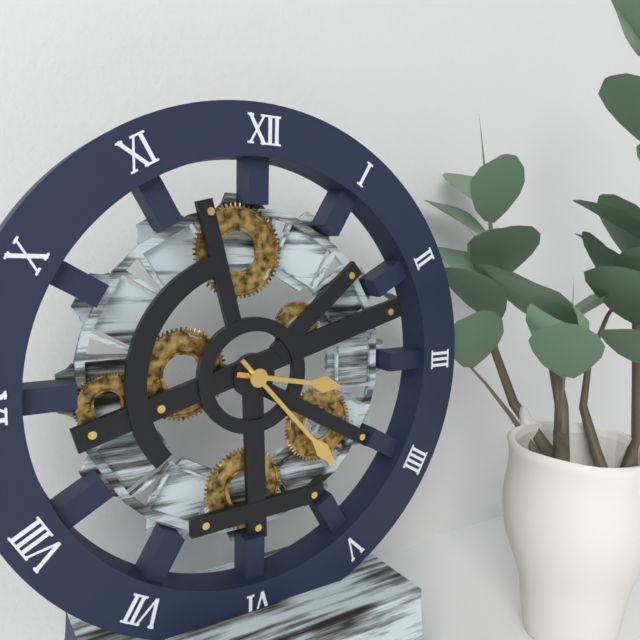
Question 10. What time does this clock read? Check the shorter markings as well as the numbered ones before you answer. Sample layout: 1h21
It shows 3h23
